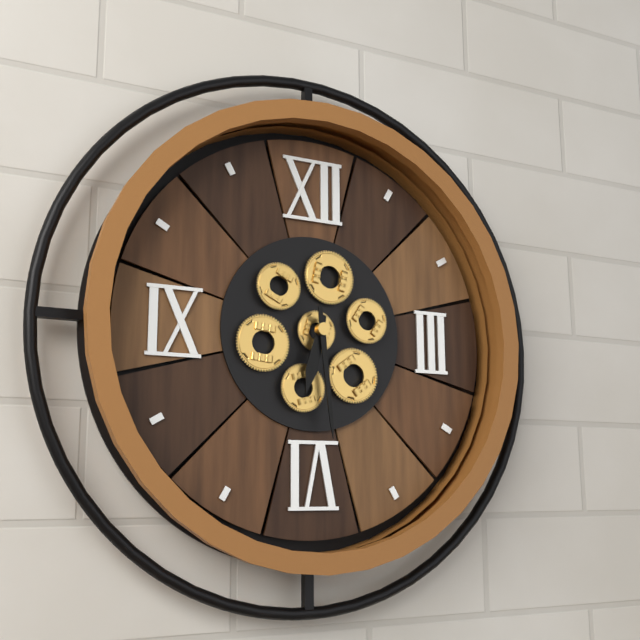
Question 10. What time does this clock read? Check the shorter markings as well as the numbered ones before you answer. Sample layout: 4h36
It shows 6h29
